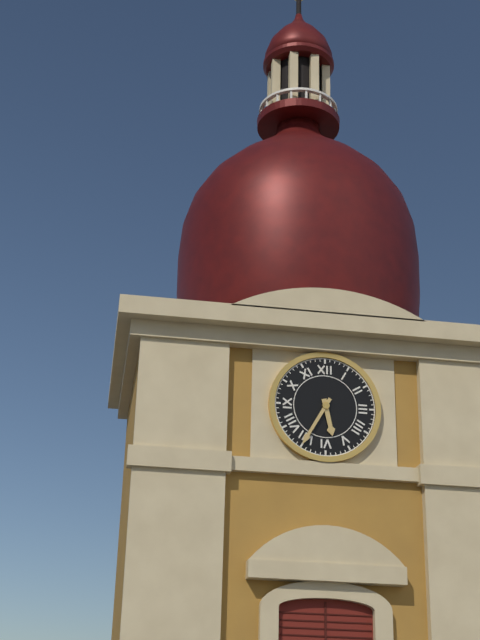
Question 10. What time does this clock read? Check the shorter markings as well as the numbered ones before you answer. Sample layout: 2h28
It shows 5h35
